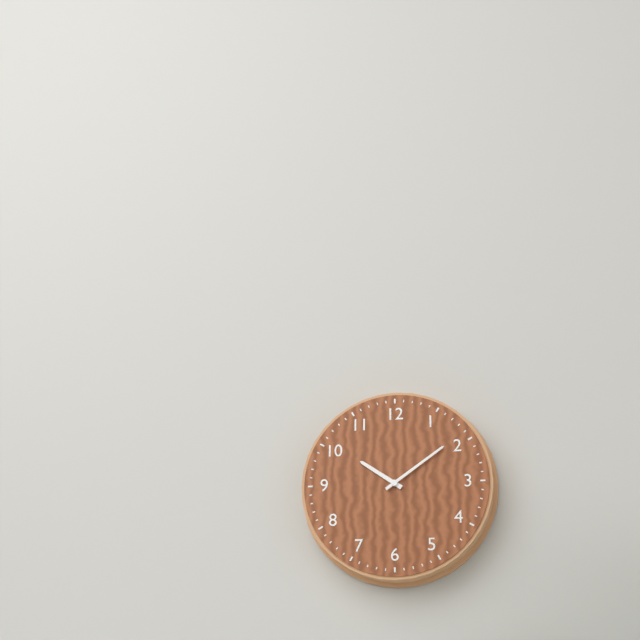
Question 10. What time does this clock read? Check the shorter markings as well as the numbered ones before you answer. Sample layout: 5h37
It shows 10h09
